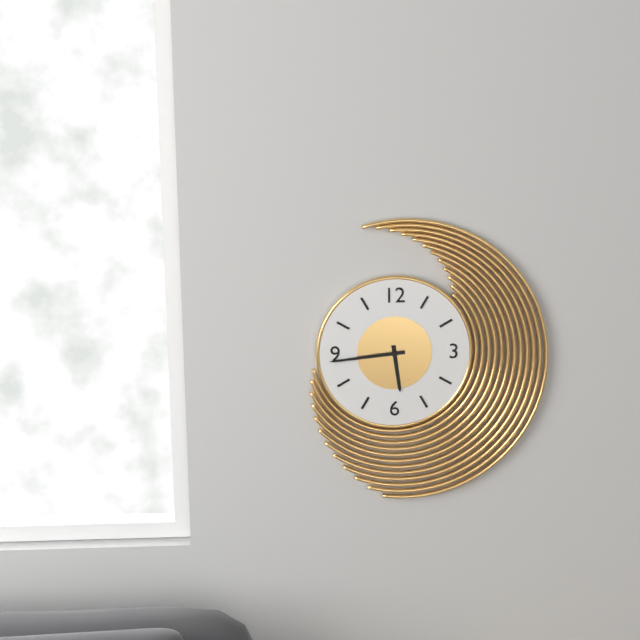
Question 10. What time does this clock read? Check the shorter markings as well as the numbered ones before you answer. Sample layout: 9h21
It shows 5h44
